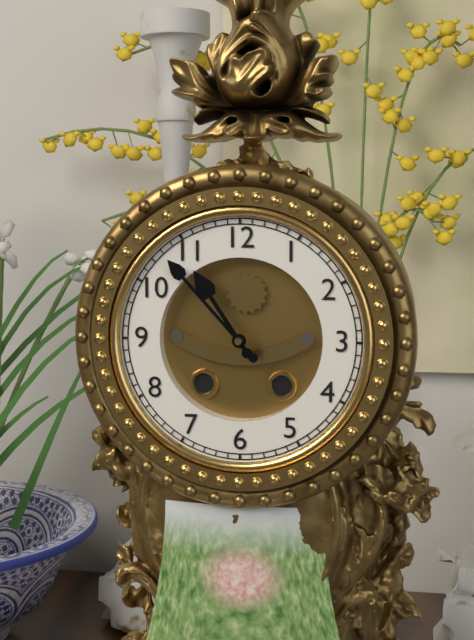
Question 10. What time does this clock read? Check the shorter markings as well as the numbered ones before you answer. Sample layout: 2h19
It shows 10h53
